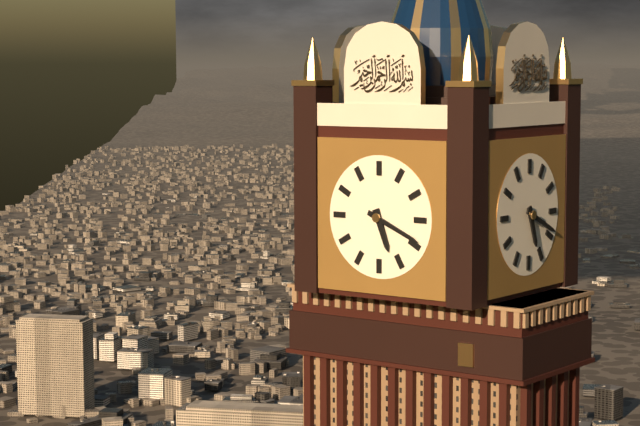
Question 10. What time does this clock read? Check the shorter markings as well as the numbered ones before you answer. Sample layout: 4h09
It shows 5h19
